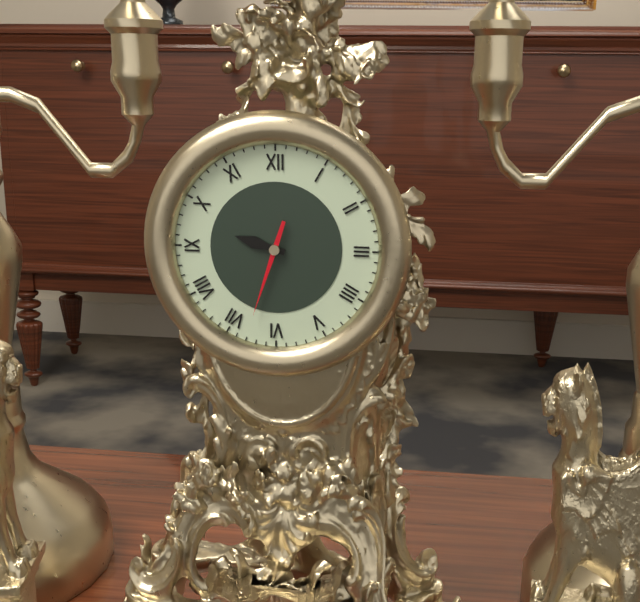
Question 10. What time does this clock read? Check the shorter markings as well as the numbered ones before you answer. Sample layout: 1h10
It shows 9h33
